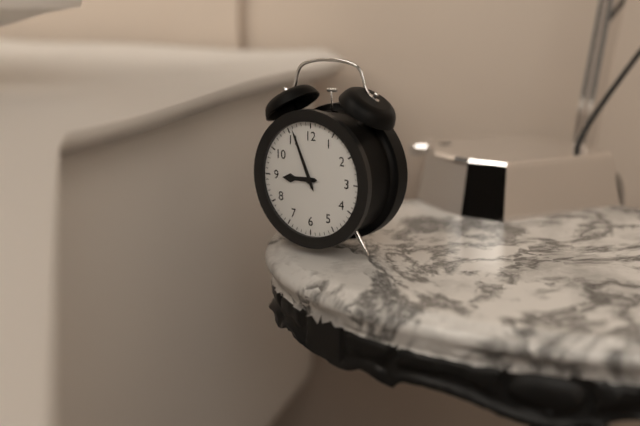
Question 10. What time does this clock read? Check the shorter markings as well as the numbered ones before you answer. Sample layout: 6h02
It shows 8h56
